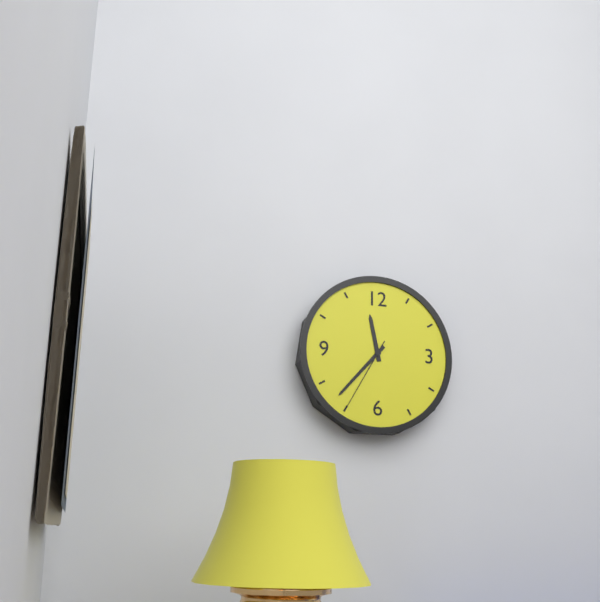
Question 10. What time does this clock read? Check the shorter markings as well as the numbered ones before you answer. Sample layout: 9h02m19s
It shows 11h37m35s
